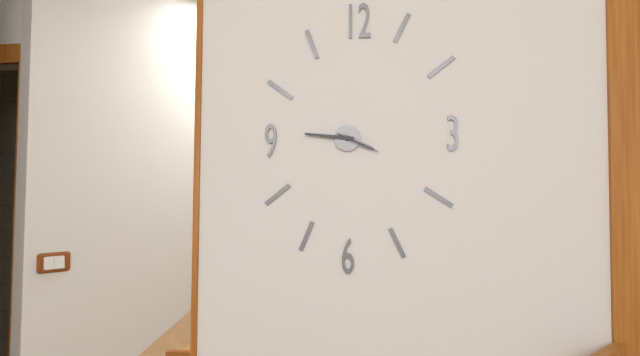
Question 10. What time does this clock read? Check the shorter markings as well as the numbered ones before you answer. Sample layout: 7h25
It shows 3h46
